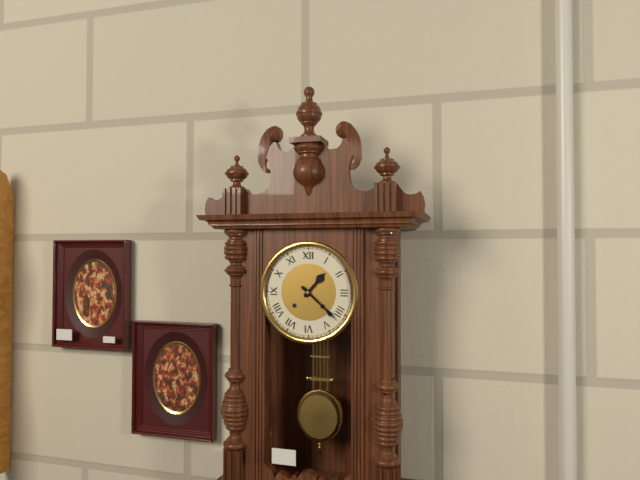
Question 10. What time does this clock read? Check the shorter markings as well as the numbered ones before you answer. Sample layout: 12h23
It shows 1h22
